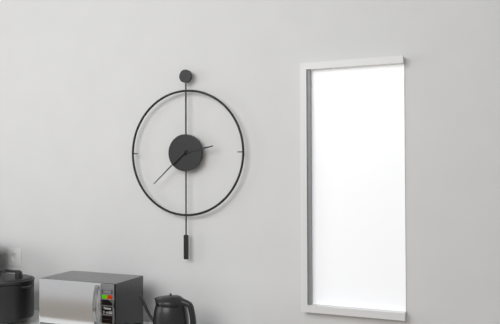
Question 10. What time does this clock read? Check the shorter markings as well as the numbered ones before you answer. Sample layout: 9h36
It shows 2h38
